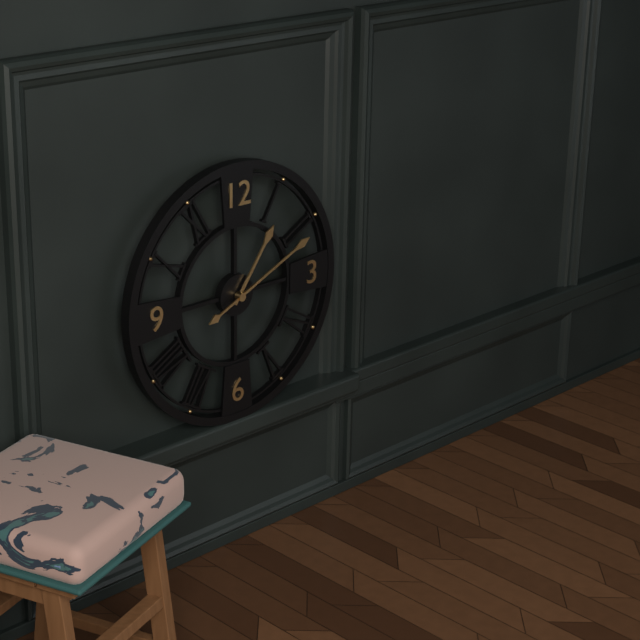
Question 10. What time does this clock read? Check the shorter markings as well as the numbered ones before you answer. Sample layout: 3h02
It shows 1h11
